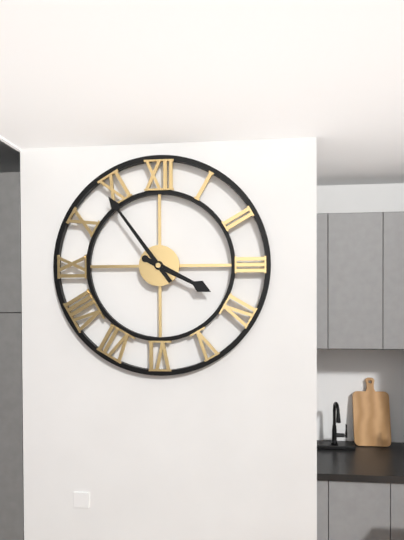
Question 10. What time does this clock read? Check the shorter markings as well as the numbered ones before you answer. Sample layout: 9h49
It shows 3h54
